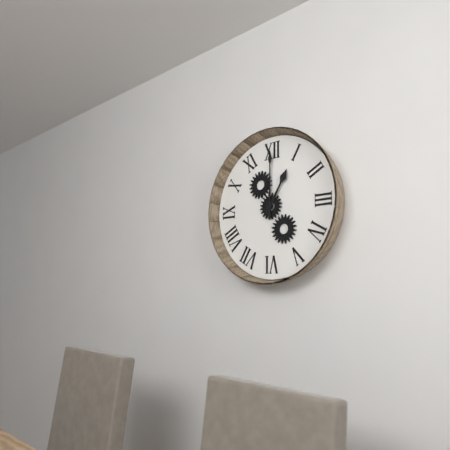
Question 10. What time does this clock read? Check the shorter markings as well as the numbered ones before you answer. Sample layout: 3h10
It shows 1h00
